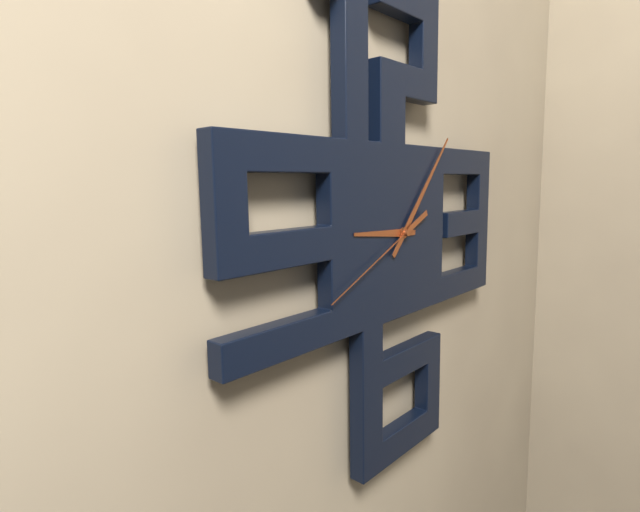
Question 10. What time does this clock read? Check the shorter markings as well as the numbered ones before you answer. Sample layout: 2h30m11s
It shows 9h07m41s
